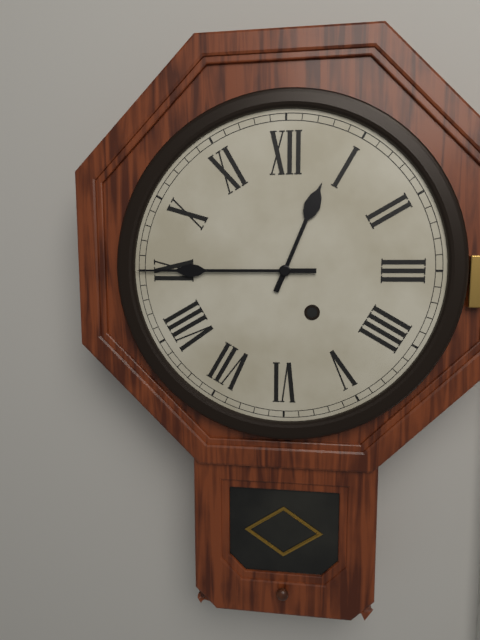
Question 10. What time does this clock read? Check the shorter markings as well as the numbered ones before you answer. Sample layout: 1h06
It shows 12h45
